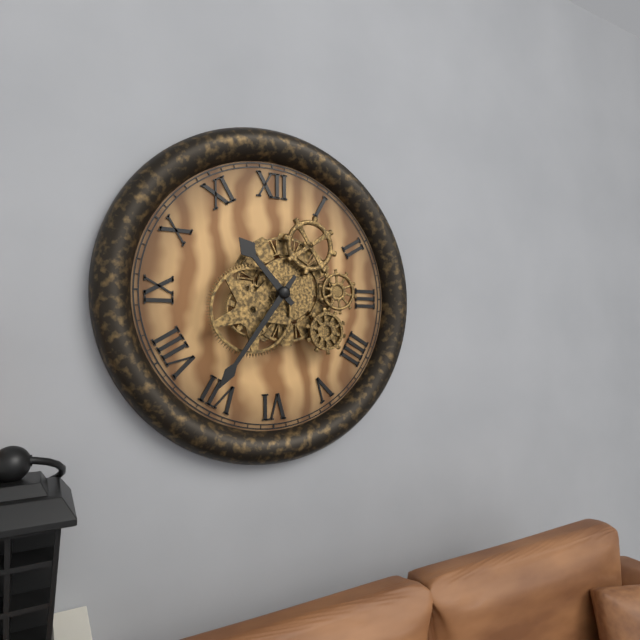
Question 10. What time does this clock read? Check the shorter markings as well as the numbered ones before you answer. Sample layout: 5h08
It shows 10h36
